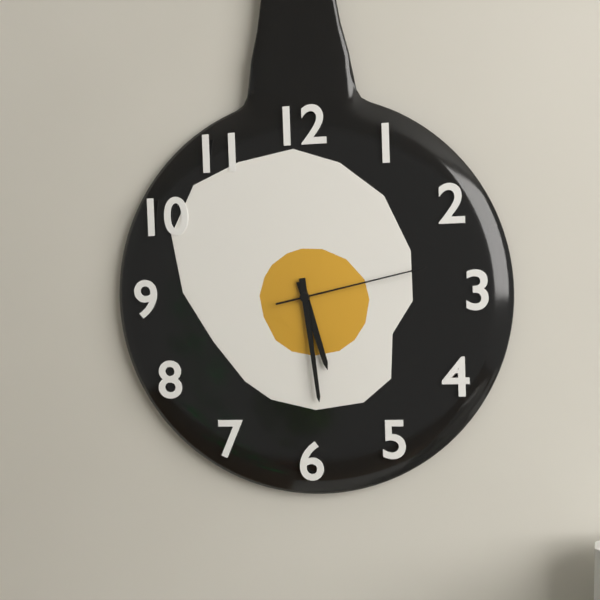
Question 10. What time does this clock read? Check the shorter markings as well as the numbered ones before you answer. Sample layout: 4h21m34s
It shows 5h29m13s
